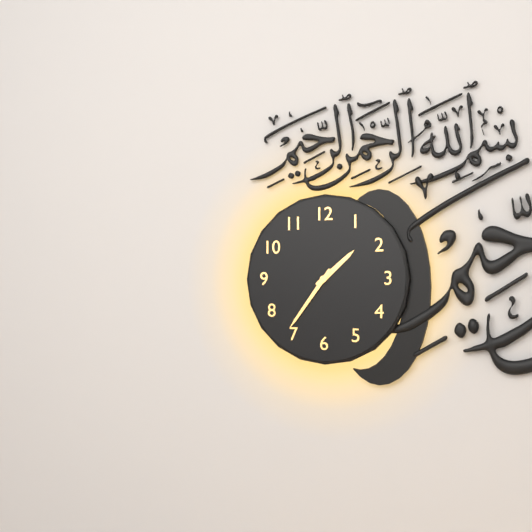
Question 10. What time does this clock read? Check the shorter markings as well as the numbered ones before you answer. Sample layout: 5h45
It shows 1h36
